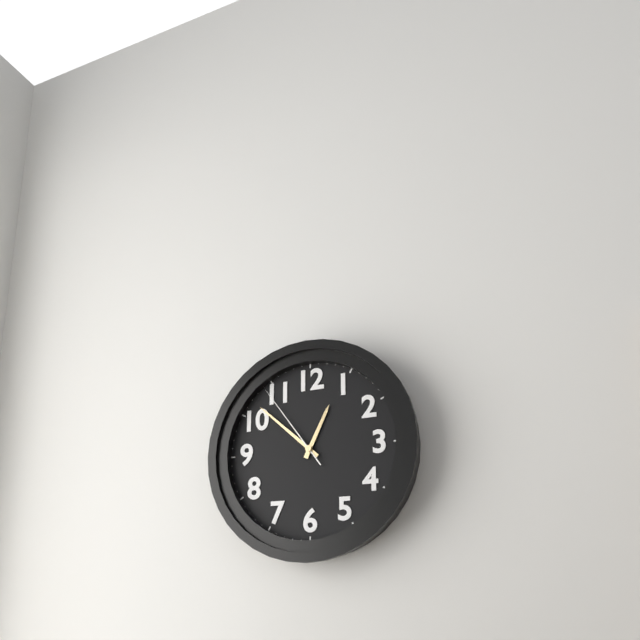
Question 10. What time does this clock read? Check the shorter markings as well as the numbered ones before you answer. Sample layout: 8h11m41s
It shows 12h52m54s
